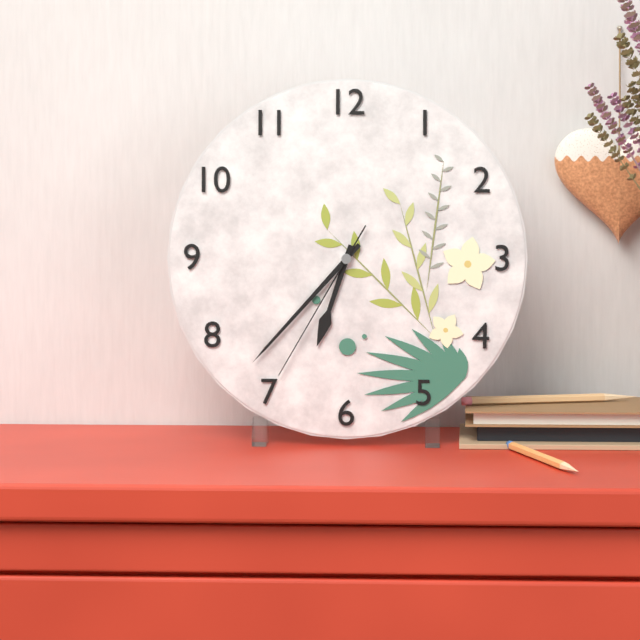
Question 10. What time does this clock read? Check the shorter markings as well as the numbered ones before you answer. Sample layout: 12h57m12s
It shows 6h37m35s
